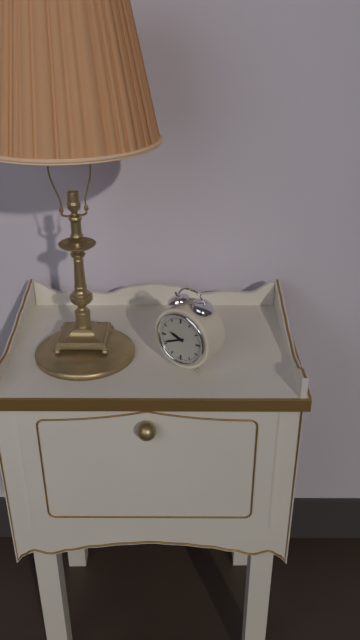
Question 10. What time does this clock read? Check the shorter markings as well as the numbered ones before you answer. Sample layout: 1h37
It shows 9h41
